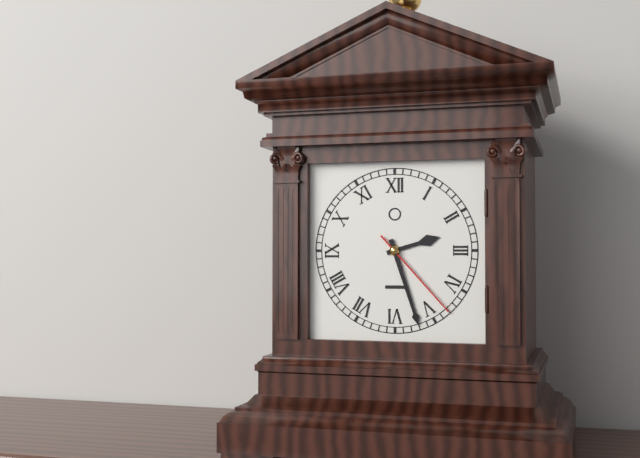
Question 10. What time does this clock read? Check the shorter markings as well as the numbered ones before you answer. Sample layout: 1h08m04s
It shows 2h27m23s
